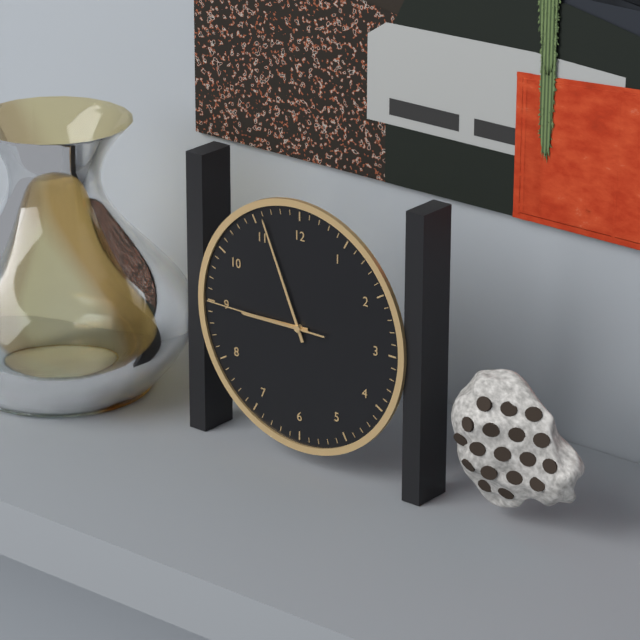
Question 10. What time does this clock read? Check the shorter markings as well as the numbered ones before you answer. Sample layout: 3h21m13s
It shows 8h56m45s
